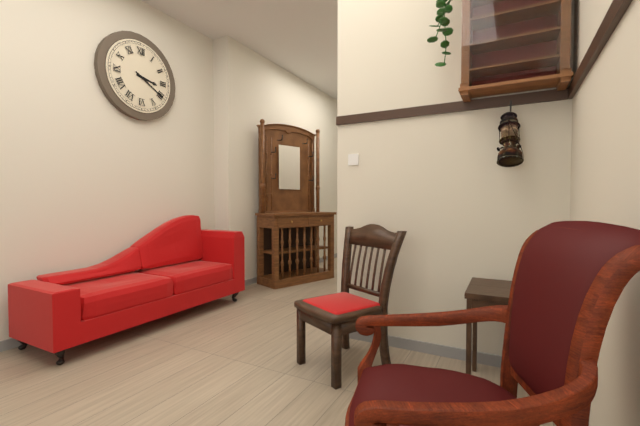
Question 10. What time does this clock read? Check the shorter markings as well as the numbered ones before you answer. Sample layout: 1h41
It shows 3h20
